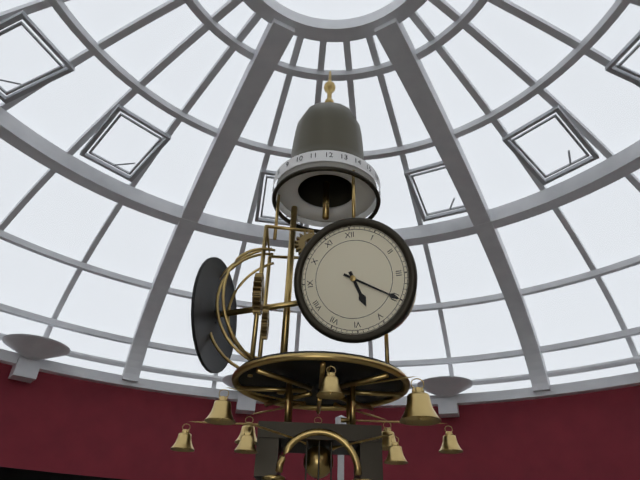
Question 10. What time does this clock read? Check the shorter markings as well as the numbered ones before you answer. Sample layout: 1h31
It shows 5h20
